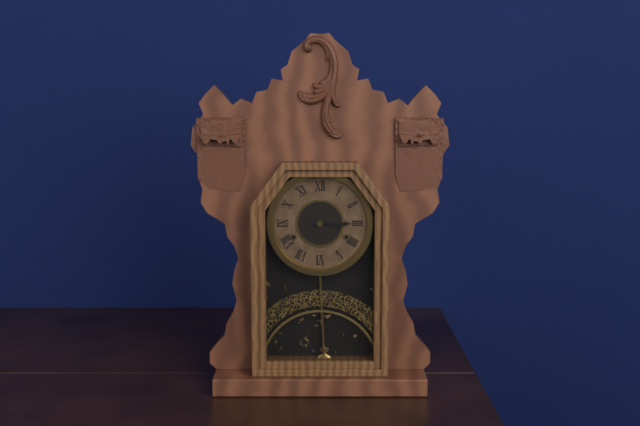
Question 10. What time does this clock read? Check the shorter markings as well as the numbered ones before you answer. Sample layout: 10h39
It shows 3h15
